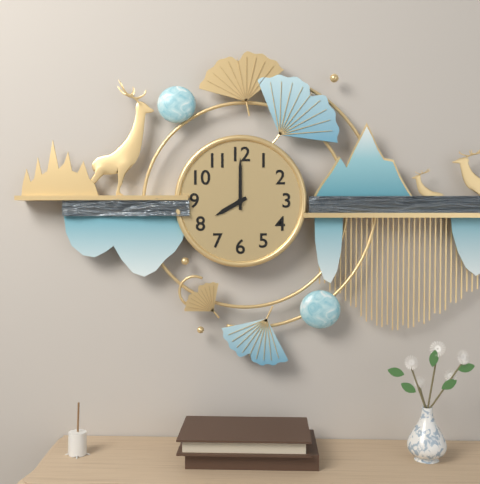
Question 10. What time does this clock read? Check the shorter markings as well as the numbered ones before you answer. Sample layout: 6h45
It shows 8h00
